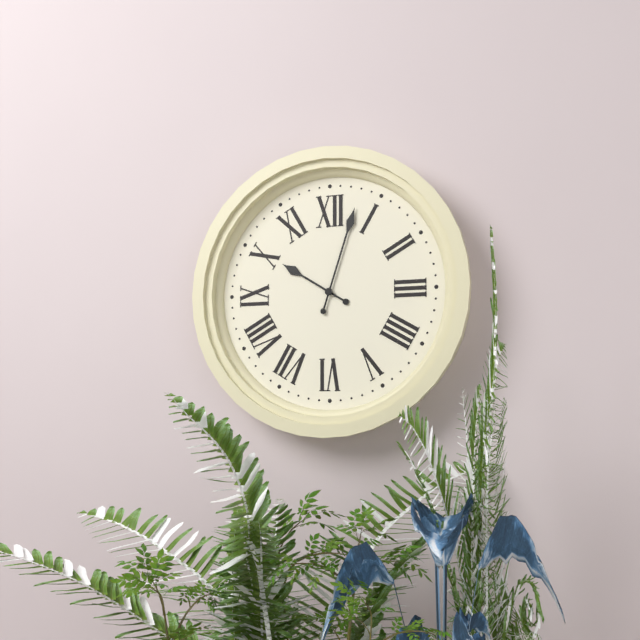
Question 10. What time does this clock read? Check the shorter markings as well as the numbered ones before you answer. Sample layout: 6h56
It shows 10h03
